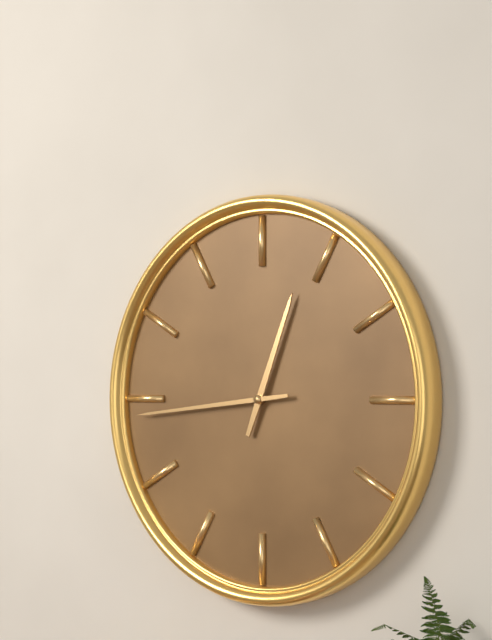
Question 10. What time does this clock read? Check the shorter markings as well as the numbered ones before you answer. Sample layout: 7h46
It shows 12h44
